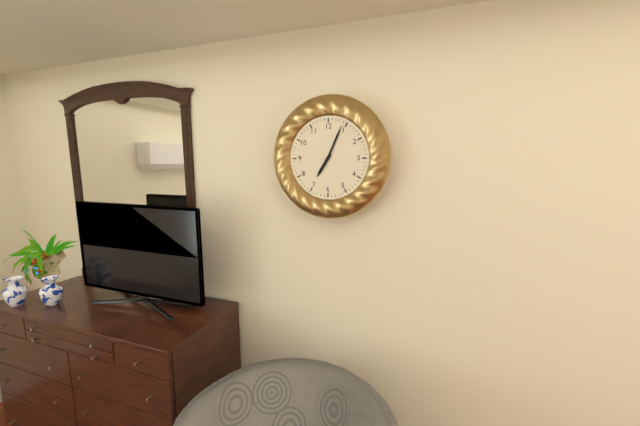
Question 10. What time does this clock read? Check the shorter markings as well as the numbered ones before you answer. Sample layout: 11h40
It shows 7h04
